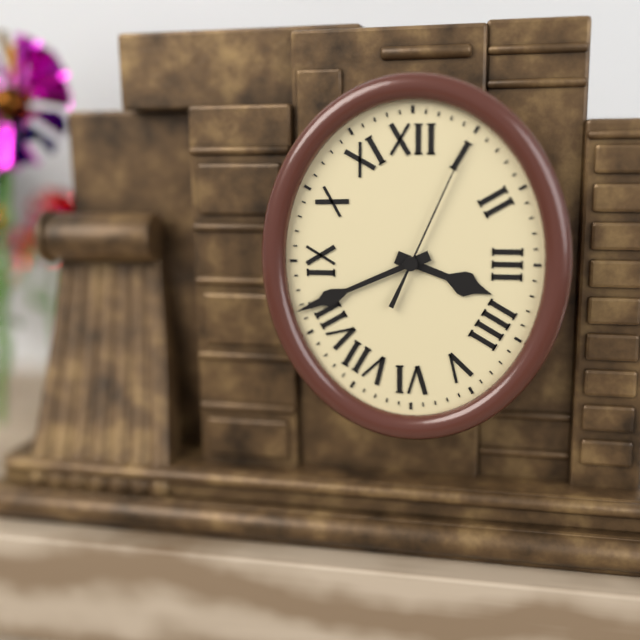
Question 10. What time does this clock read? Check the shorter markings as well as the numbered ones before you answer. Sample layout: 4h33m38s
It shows 3h41m04s
